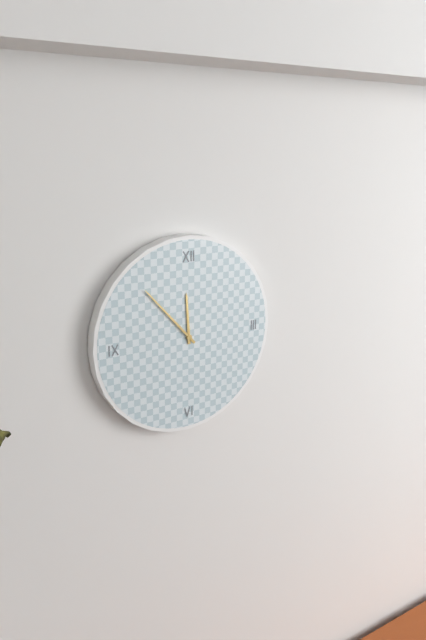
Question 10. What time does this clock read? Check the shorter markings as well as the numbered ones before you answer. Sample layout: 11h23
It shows 11h53
